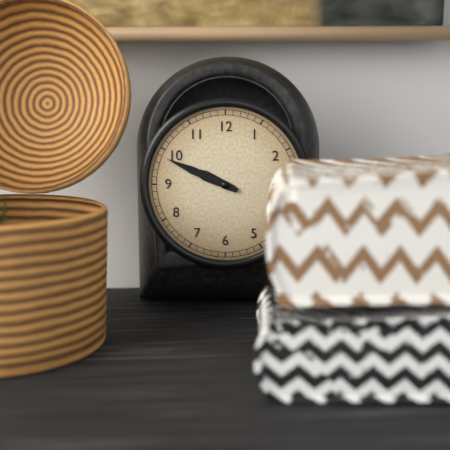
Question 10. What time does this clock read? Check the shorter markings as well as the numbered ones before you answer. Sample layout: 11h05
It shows 9h49
